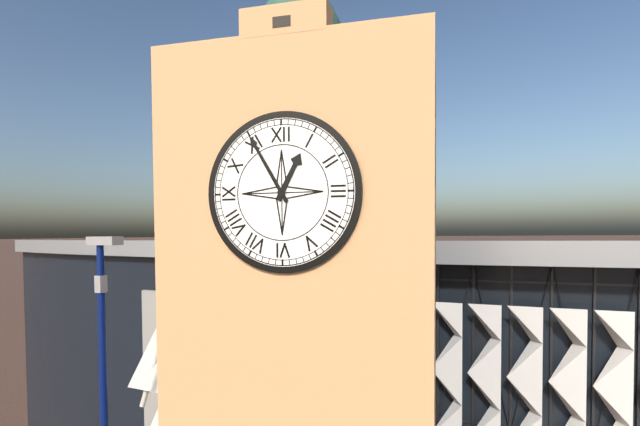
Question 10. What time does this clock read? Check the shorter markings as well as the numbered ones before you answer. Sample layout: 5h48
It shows 12h55
